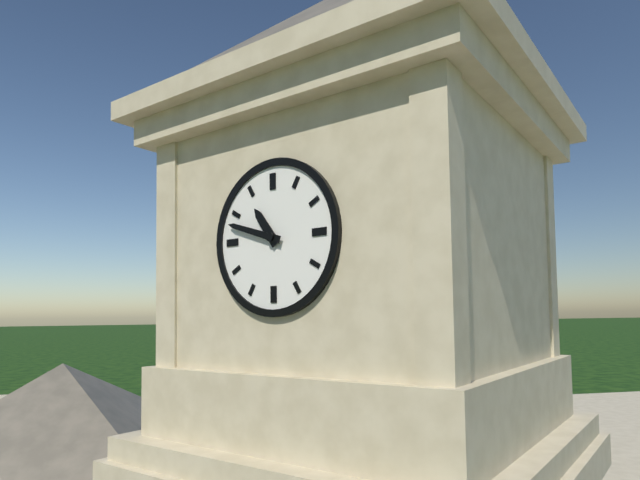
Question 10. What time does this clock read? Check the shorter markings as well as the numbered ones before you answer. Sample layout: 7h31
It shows 10h48
